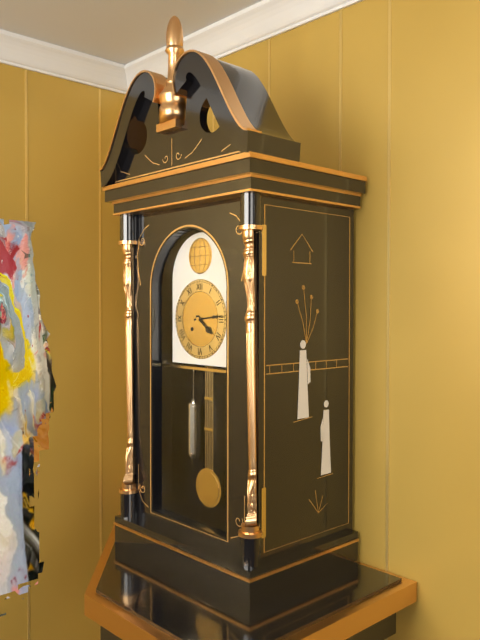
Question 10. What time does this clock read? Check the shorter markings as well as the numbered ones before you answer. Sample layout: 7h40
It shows 4h14
